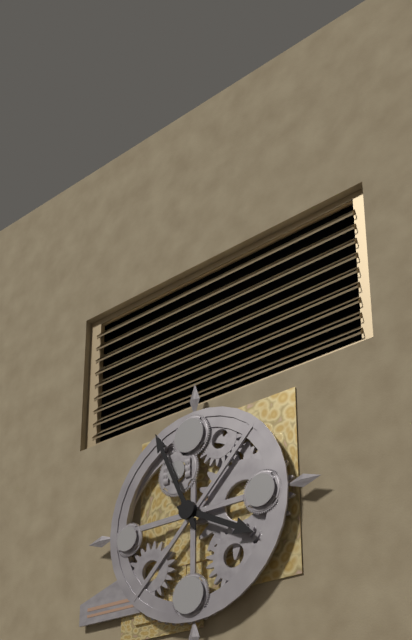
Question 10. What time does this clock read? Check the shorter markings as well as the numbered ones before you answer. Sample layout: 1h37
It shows 3h56
